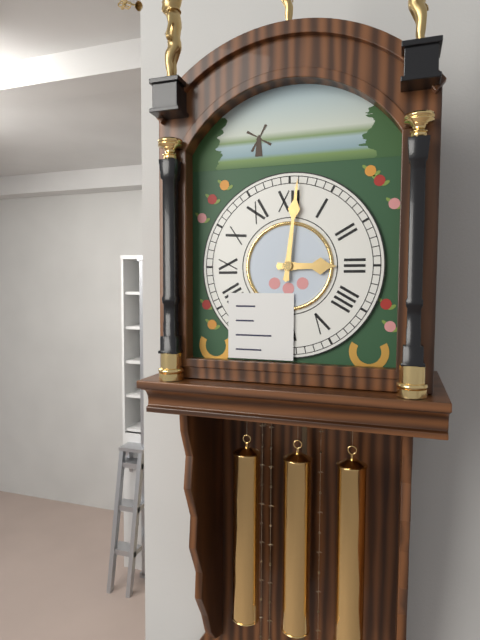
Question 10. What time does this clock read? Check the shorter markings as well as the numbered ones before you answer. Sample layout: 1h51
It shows 3h01
